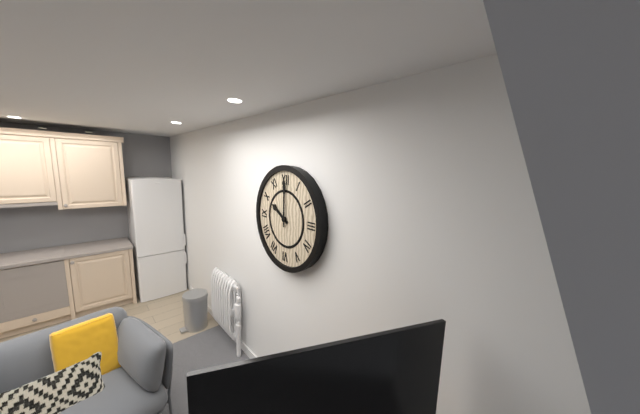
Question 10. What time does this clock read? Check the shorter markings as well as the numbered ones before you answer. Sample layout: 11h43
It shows 10h00
